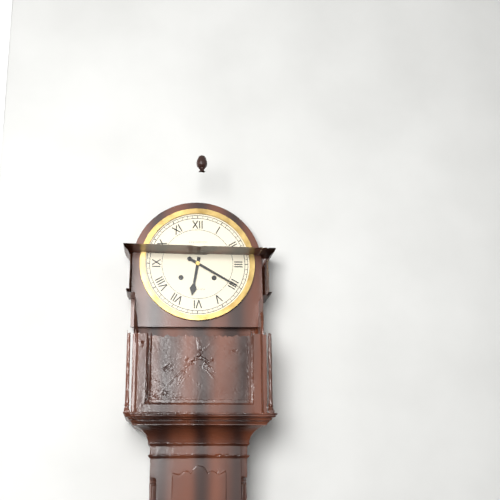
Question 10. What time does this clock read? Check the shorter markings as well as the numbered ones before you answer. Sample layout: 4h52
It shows 6h20
